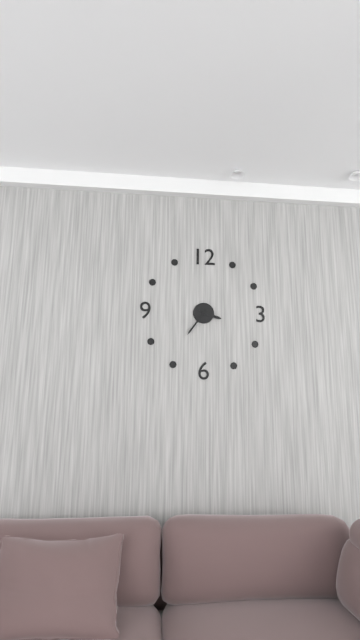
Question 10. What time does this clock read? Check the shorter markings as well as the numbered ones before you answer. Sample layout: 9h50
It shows 3h36
